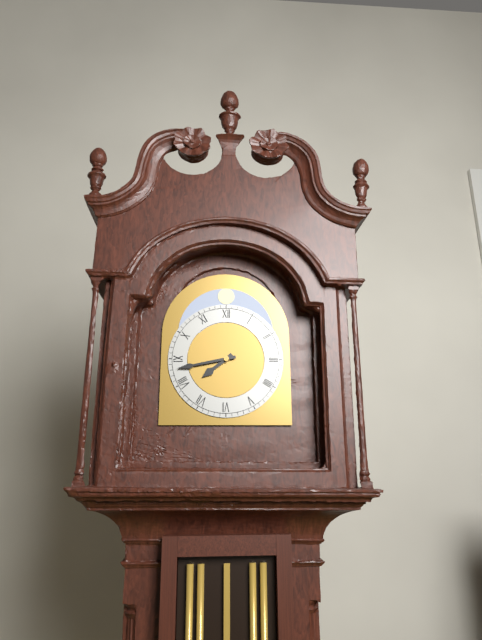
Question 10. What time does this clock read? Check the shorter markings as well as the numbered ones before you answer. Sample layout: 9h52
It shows 7h43
